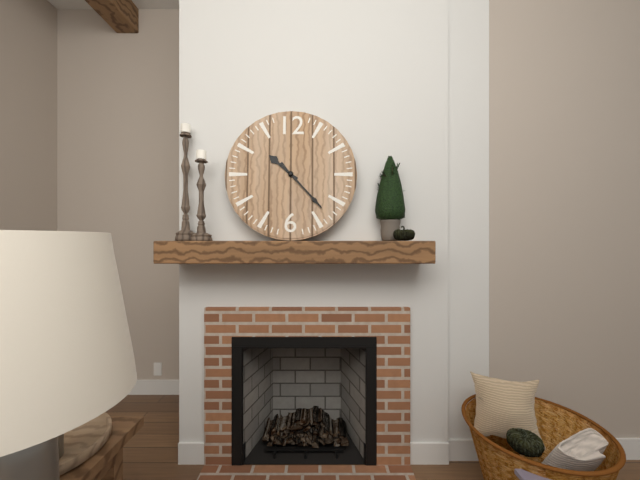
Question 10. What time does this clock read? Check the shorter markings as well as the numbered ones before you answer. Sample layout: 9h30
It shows 10h23
